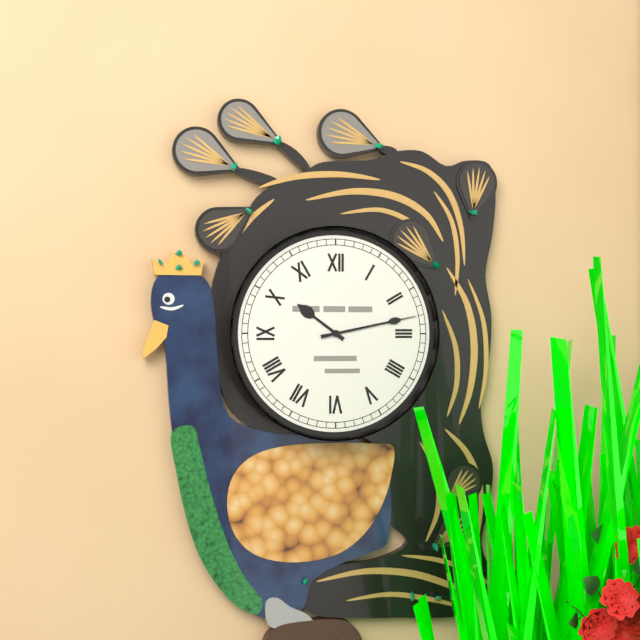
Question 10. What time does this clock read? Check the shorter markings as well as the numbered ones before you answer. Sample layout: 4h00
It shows 10h13
